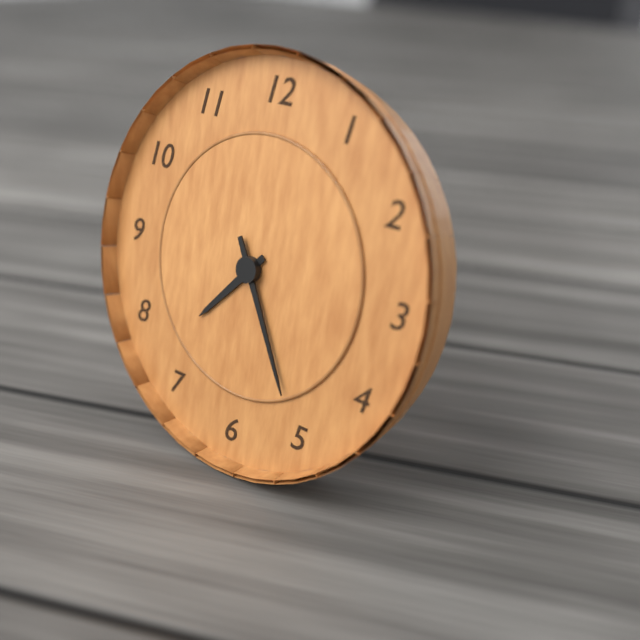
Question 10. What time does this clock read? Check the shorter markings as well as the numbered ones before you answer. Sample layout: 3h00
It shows 7h25
